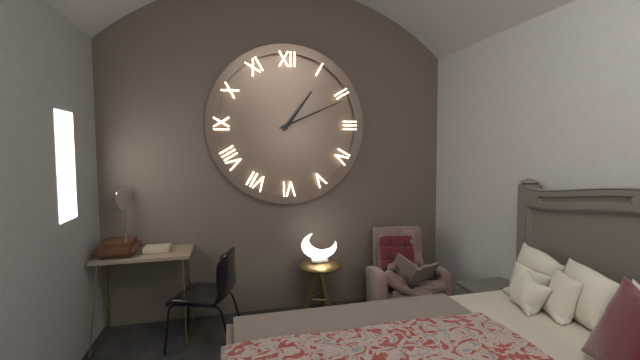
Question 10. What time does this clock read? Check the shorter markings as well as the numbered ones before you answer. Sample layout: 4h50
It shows 1h11
